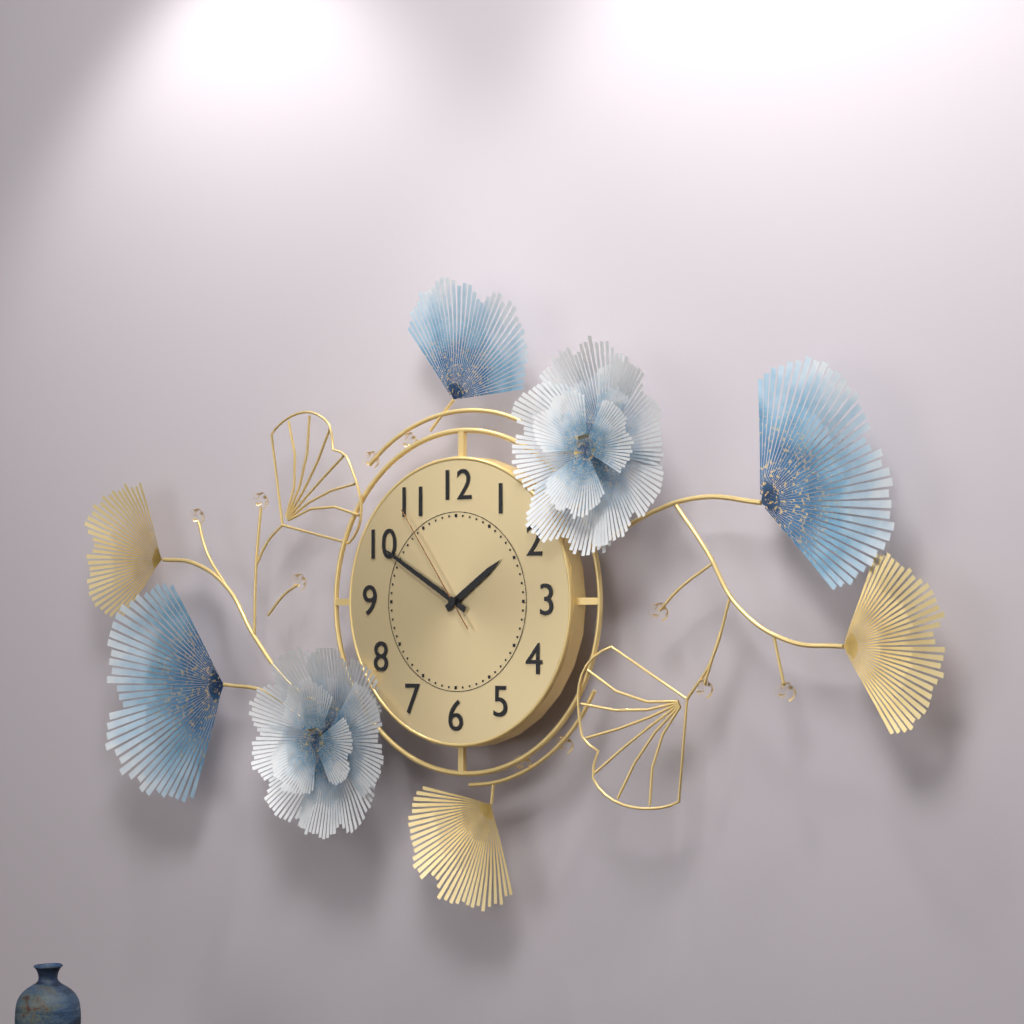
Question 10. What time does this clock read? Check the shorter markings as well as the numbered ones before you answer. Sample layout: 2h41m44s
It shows 1h50m54s
